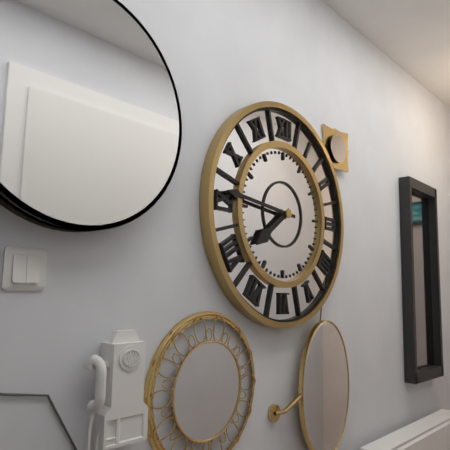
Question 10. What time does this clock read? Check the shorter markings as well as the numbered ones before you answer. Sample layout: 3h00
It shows 7h46
